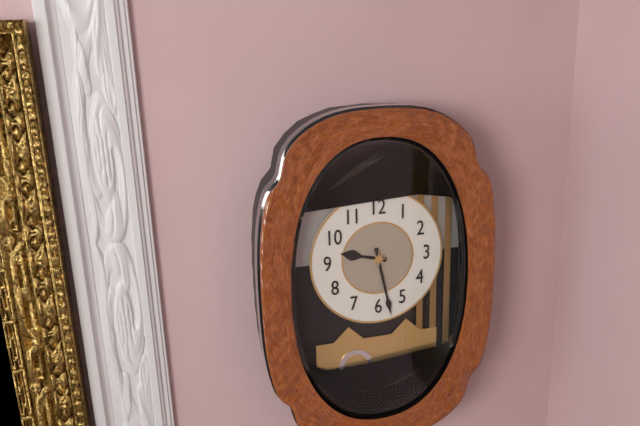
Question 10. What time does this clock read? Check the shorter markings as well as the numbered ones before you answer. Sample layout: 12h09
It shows 9h28
